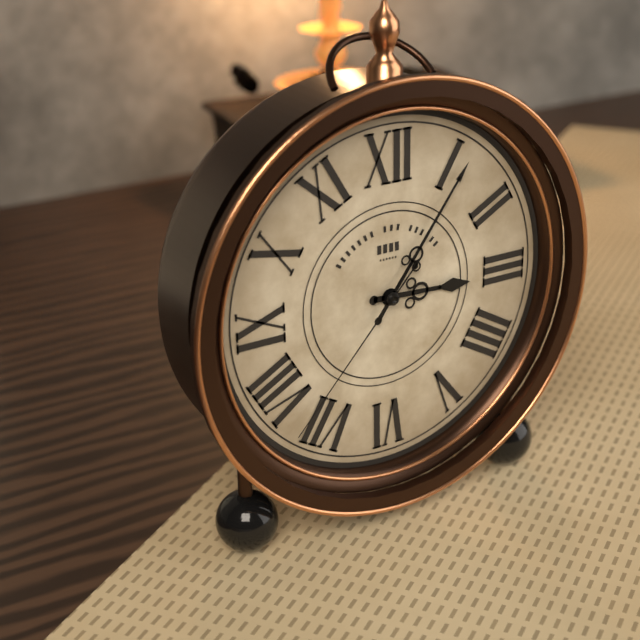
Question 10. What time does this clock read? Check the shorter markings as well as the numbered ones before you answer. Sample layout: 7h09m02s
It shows 3h06m37s
